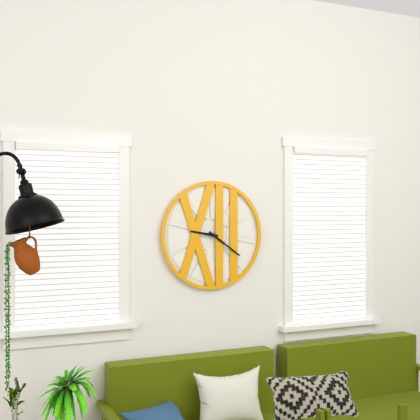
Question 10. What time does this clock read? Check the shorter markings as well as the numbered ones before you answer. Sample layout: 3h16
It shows 9h21
